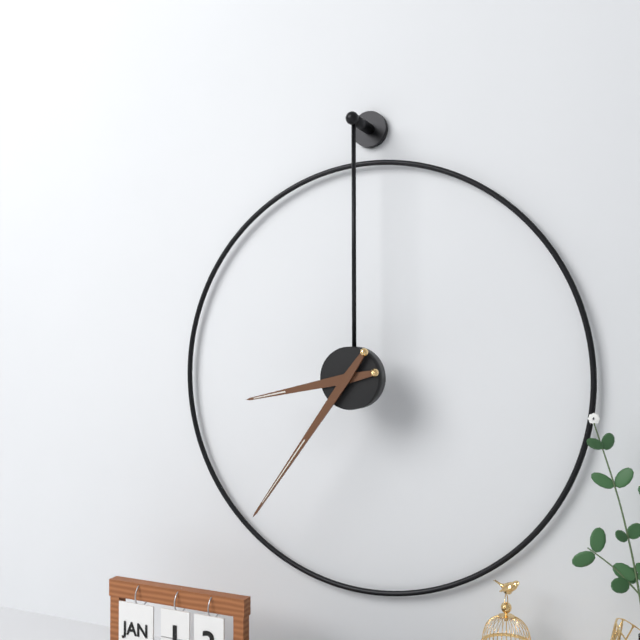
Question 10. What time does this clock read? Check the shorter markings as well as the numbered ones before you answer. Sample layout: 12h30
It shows 8h36
